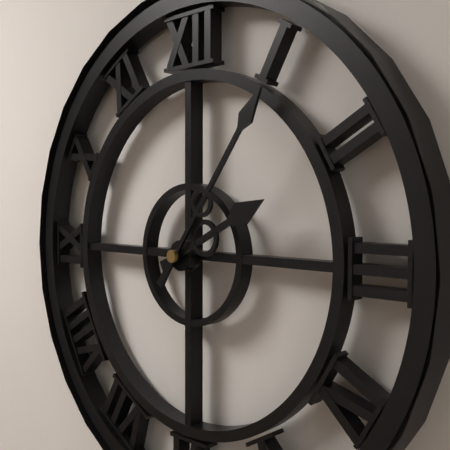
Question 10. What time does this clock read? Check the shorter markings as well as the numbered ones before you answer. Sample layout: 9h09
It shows 2h06
